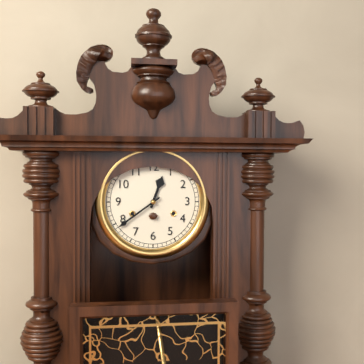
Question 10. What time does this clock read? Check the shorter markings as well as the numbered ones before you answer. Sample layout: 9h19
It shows 12h39
